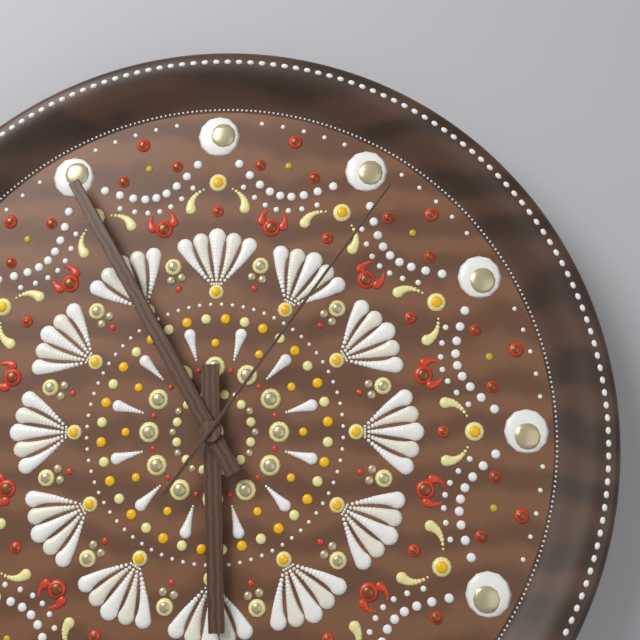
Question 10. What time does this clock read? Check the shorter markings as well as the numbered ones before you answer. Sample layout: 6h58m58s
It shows 5h55m06s
